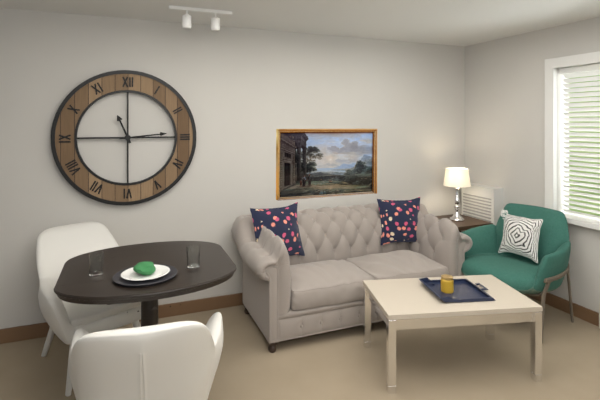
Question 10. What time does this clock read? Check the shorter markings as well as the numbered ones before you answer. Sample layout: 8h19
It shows 11h14
